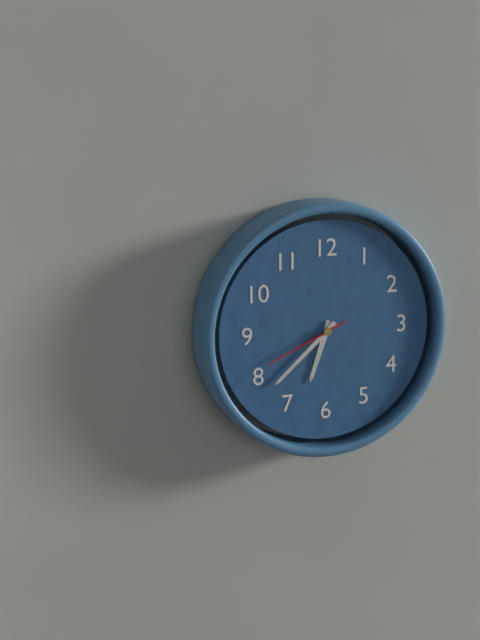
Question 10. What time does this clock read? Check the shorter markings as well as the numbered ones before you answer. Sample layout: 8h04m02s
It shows 6h38m41s
